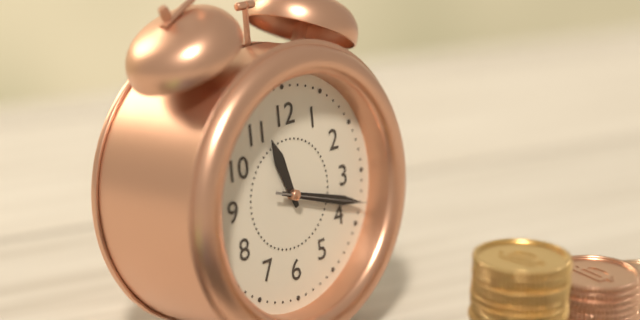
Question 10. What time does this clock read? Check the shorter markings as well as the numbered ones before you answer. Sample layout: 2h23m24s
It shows 11h18m18s
